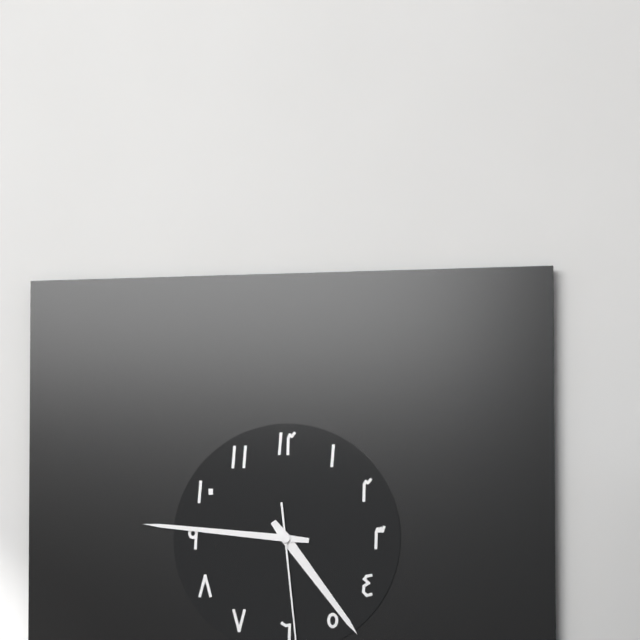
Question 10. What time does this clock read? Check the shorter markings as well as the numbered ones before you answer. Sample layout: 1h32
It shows 4h46
